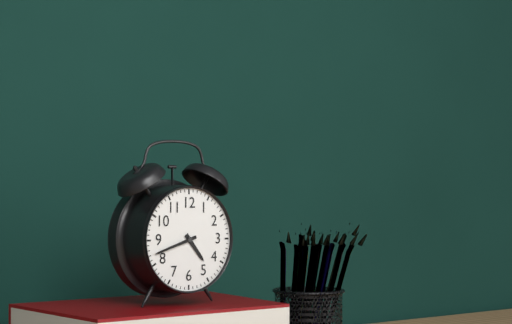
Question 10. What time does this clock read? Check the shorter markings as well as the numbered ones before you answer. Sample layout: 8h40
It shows 4h42
